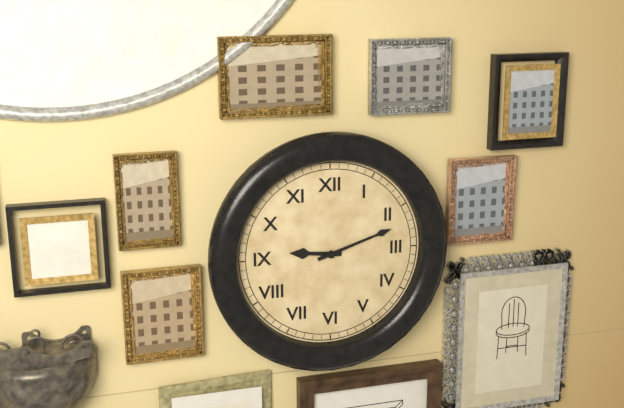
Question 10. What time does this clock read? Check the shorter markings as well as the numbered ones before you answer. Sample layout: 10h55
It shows 9h12
